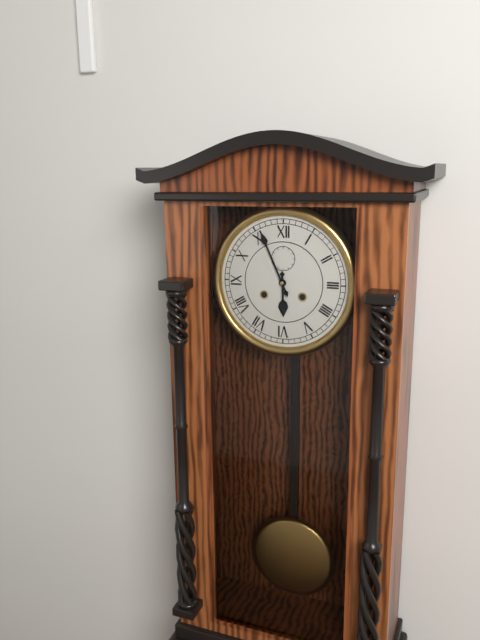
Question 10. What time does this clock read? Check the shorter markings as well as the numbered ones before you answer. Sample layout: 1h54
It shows 5h56
